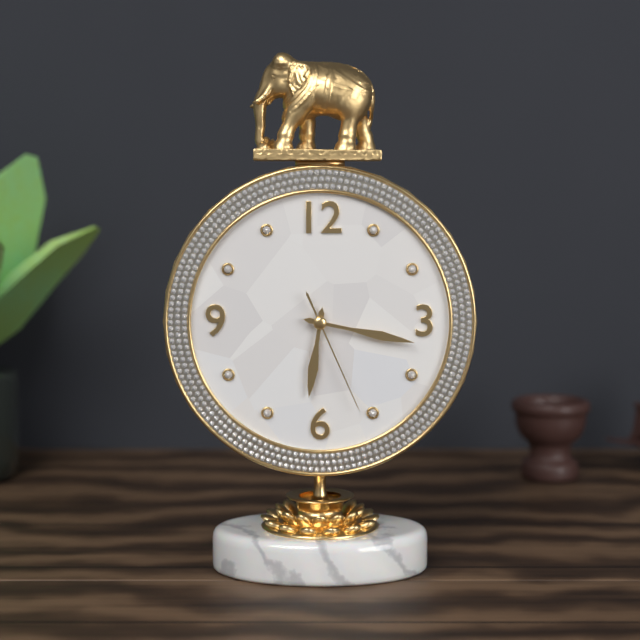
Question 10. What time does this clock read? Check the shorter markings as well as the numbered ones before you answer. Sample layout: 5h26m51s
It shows 6h17m26s
